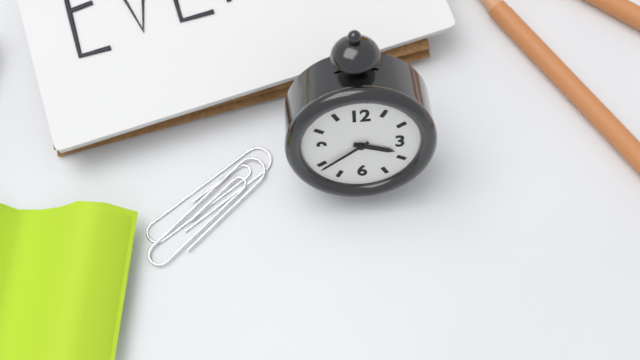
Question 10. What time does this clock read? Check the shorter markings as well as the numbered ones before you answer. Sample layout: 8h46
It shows 3h39
